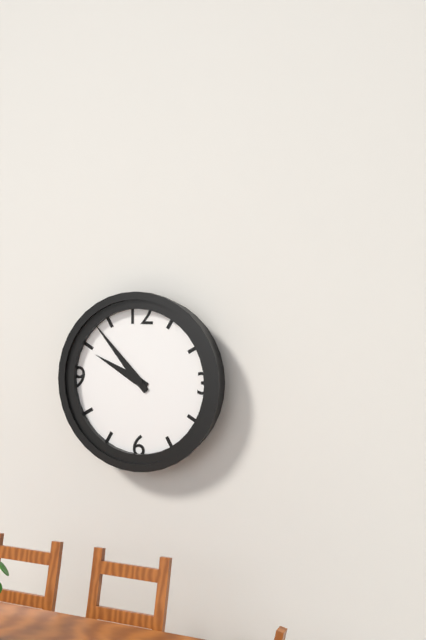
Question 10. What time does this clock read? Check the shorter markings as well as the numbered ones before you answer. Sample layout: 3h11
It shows 9h53
